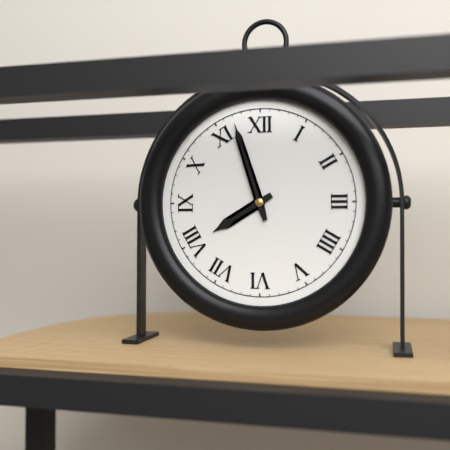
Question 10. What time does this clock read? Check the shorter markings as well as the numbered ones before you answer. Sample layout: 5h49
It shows 7h57
